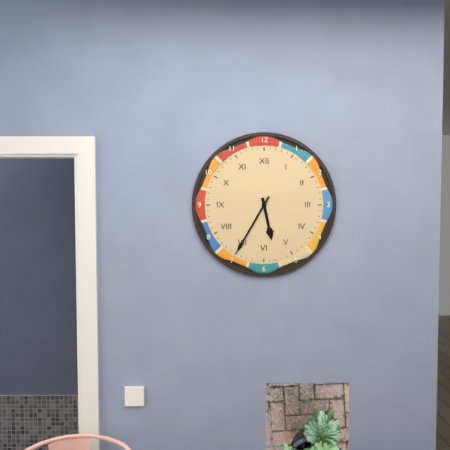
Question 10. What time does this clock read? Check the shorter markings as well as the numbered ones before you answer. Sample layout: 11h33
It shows 5h35
